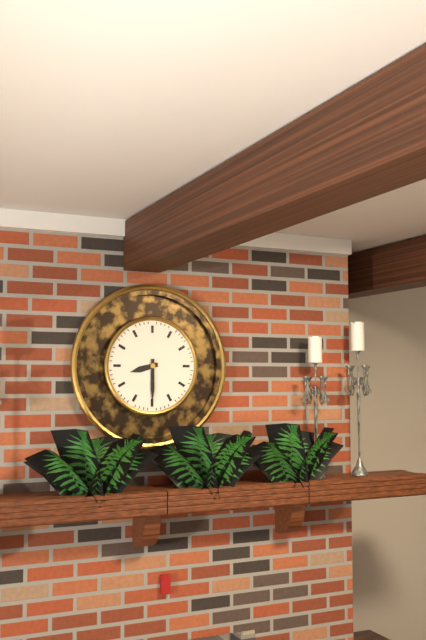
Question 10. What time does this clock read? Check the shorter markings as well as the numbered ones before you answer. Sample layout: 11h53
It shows 8h30
